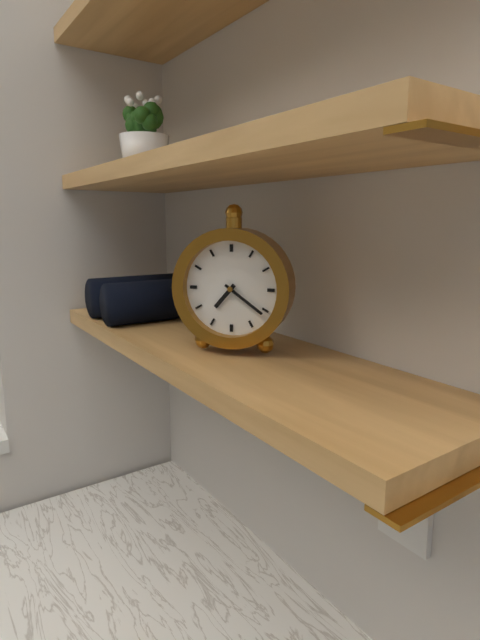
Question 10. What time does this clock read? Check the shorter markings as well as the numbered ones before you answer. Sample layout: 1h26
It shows 7h21
